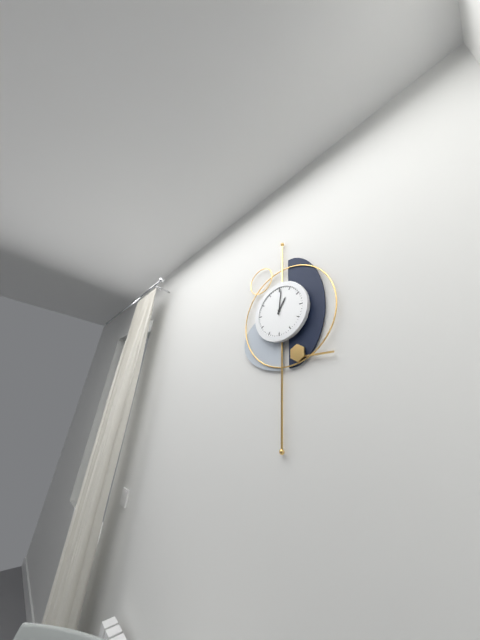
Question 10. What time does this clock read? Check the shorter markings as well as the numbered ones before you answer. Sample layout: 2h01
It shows 1h01
